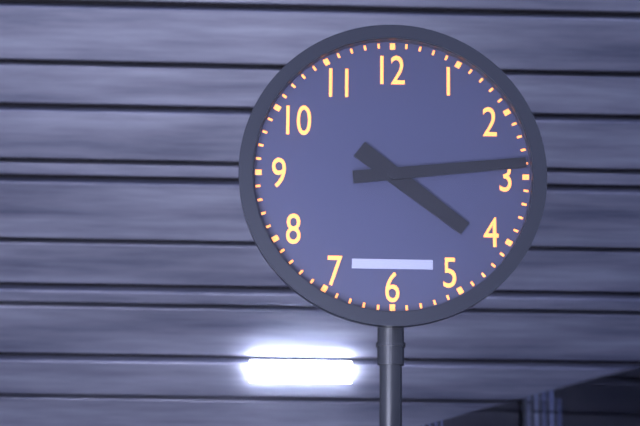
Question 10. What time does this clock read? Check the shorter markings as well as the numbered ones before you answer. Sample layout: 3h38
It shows 4h14
